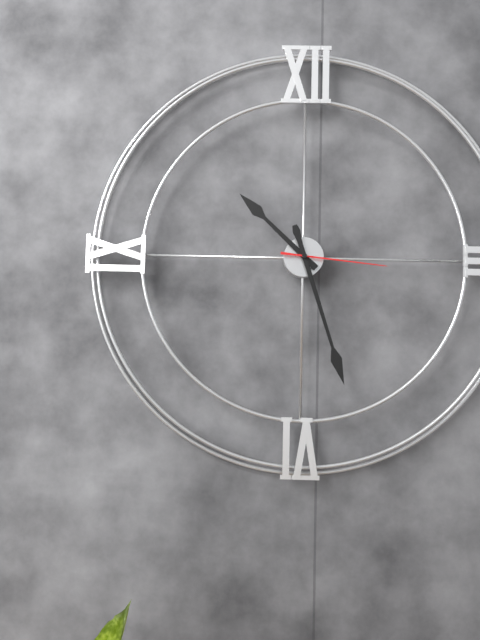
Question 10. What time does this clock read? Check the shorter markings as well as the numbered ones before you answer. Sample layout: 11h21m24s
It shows 10h27m16s
